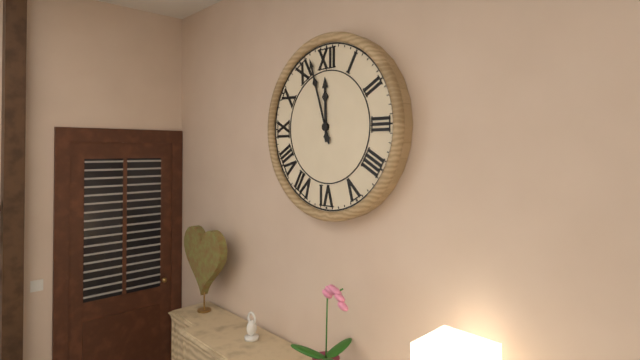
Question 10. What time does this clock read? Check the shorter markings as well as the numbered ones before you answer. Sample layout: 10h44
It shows 11h57
